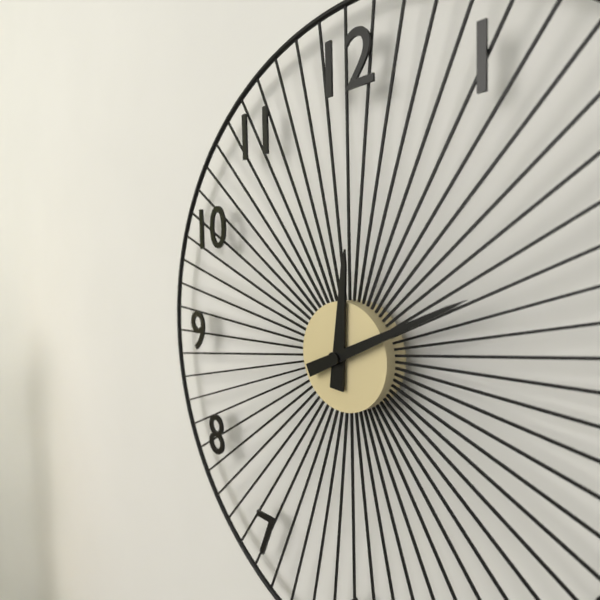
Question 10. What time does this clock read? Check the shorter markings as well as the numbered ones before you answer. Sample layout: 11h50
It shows 12h11
